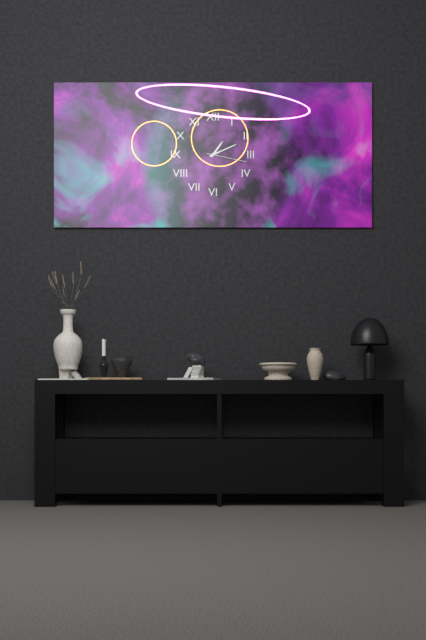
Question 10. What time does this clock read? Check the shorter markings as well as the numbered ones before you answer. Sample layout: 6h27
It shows 1h11
